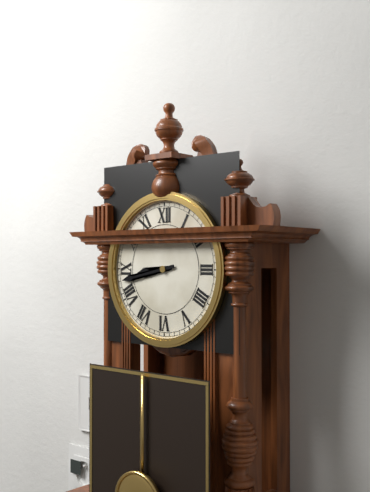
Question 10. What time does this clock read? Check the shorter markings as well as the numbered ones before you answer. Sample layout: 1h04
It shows 8h43
